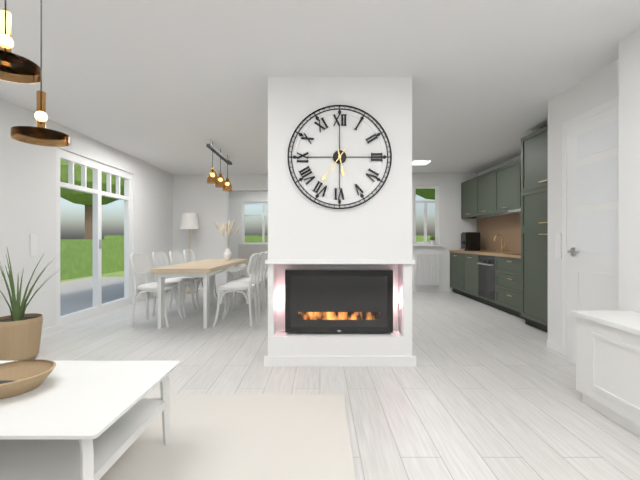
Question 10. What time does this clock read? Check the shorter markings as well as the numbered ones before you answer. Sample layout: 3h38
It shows 5h36
